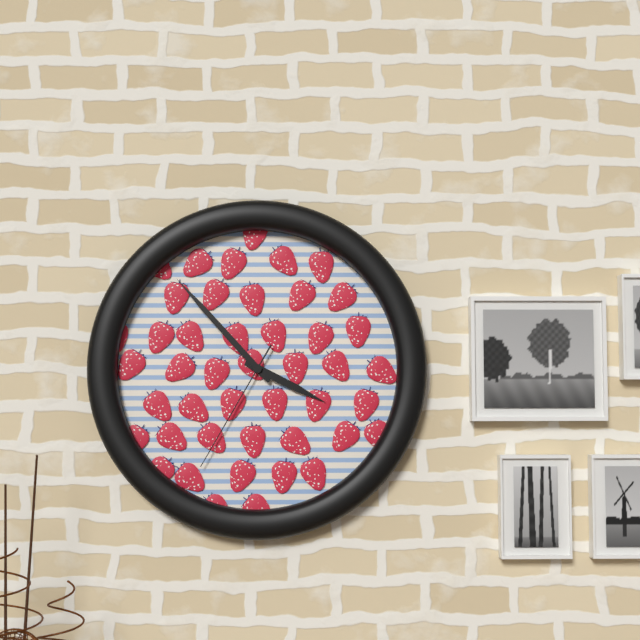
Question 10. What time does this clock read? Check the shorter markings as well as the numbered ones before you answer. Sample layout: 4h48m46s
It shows 3h53m35s
